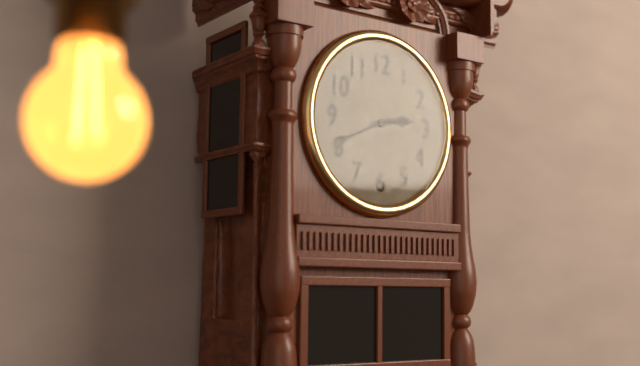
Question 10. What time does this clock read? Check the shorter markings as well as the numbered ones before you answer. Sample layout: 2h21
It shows 2h41
